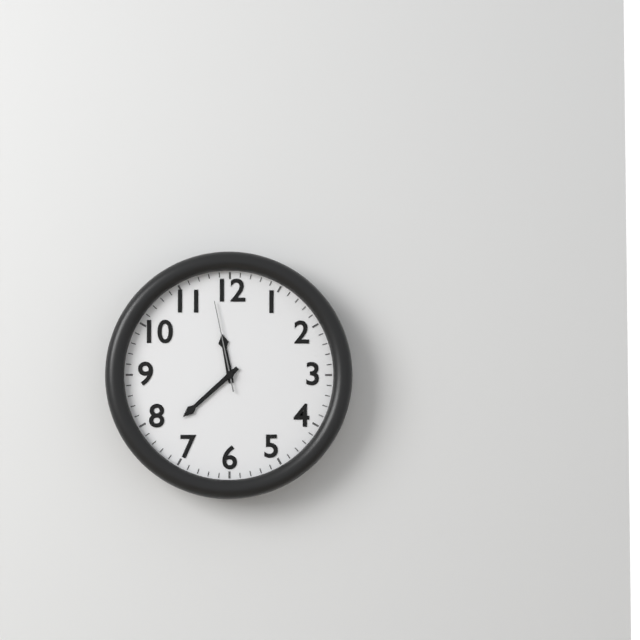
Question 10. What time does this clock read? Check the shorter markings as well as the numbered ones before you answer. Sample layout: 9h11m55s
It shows 11h38m58s
